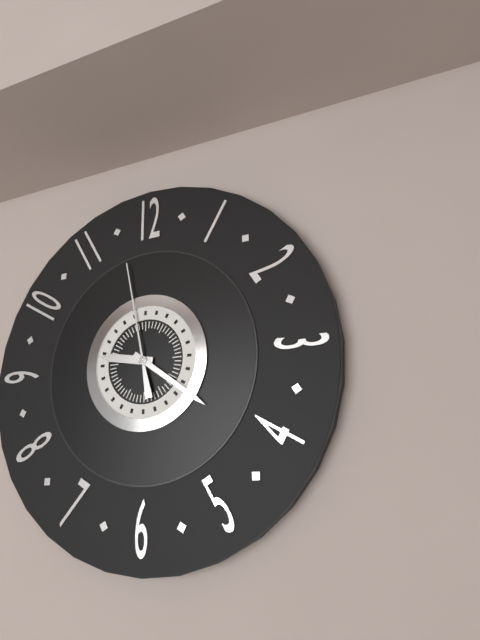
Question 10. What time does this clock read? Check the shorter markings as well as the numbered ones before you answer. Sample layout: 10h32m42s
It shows 9h21m58s
